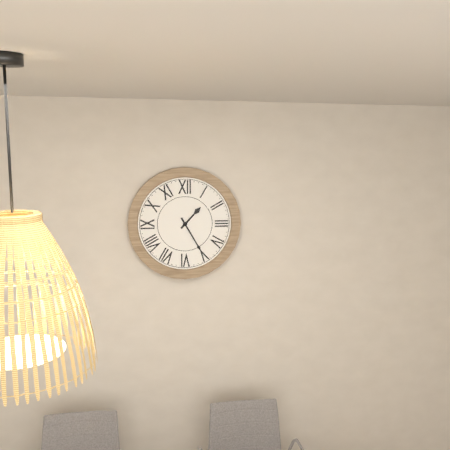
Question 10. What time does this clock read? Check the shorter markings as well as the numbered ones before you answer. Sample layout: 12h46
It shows 1h25
